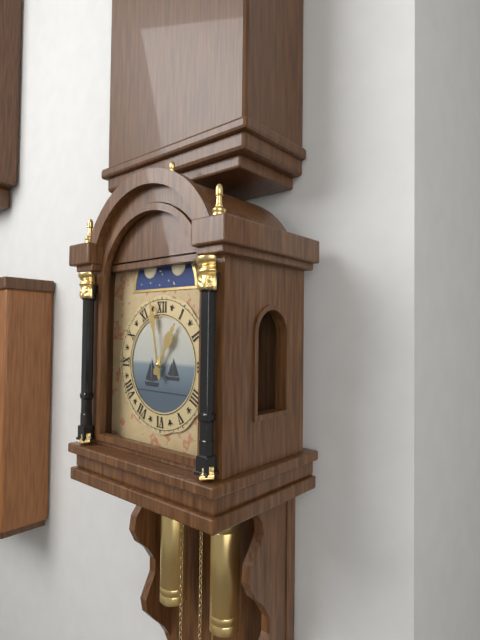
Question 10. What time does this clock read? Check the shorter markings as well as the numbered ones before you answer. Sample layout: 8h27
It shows 12h58
